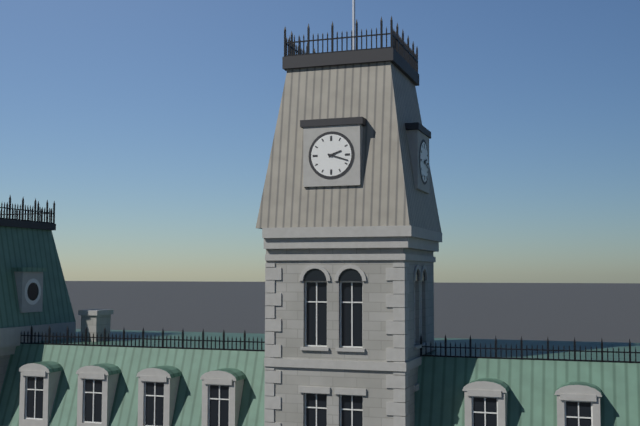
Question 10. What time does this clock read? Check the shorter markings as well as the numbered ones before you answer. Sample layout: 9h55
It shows 2h18
